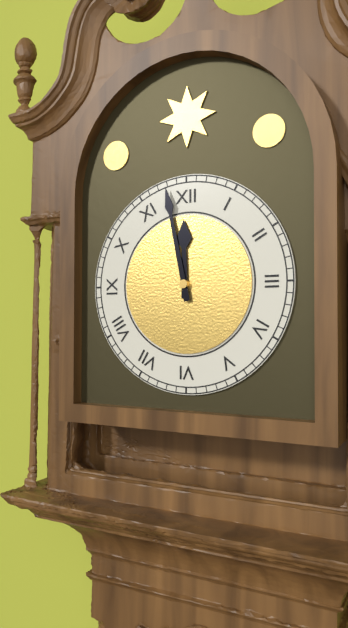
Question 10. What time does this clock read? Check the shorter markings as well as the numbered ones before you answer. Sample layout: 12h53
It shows 11h58
